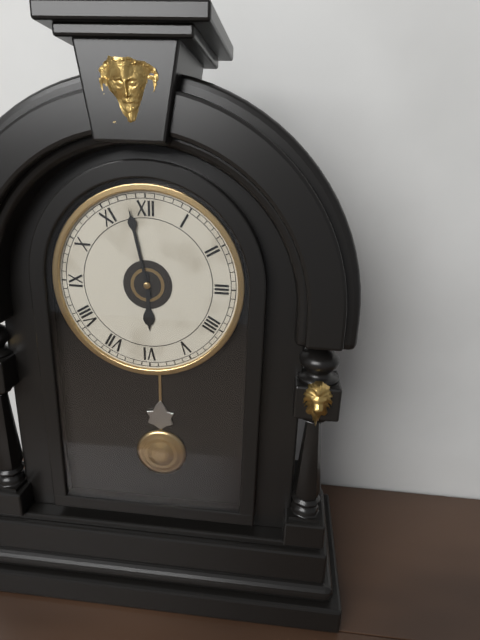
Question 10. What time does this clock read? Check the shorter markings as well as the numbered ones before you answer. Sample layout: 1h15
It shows 5h58
